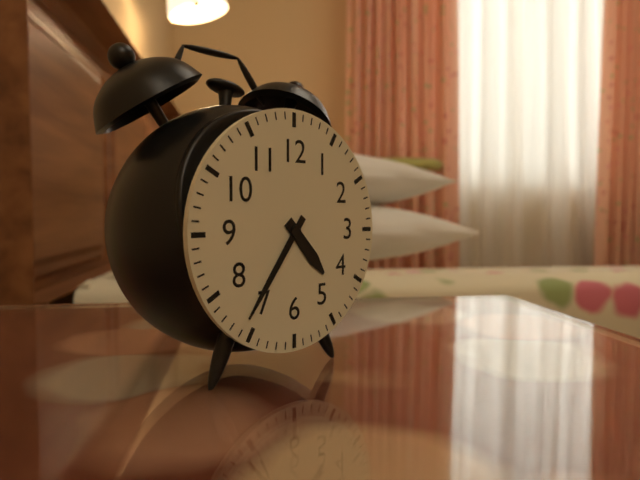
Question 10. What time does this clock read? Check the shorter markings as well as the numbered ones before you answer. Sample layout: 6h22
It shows 4h36
